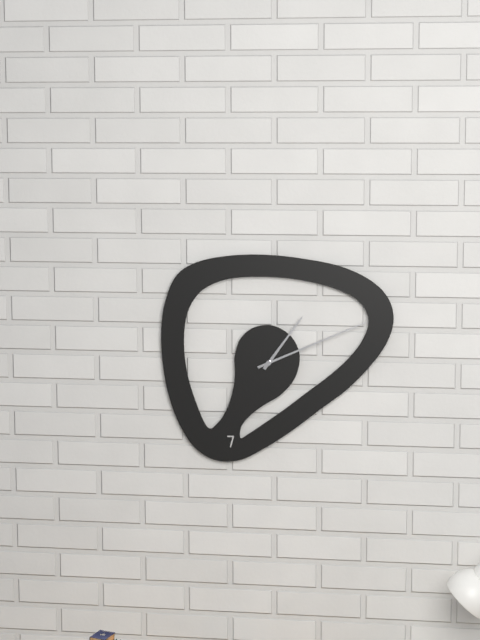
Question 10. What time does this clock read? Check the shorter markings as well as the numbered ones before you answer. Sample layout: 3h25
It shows 1h11
